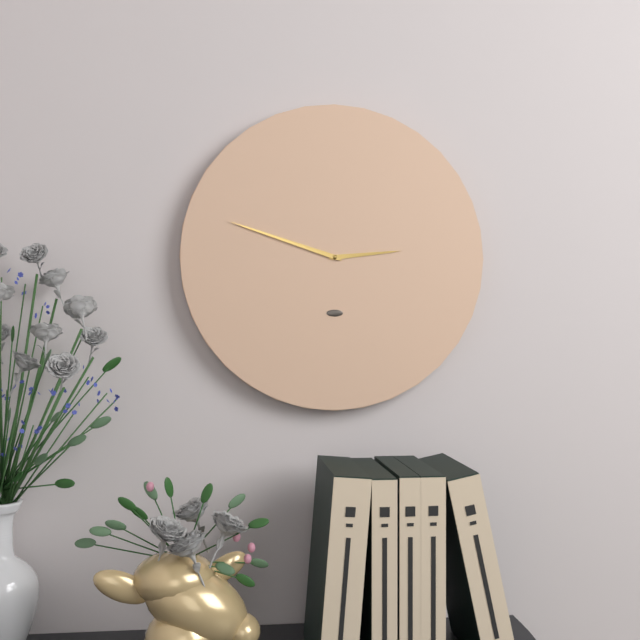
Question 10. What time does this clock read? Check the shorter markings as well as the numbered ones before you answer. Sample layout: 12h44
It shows 2h48
